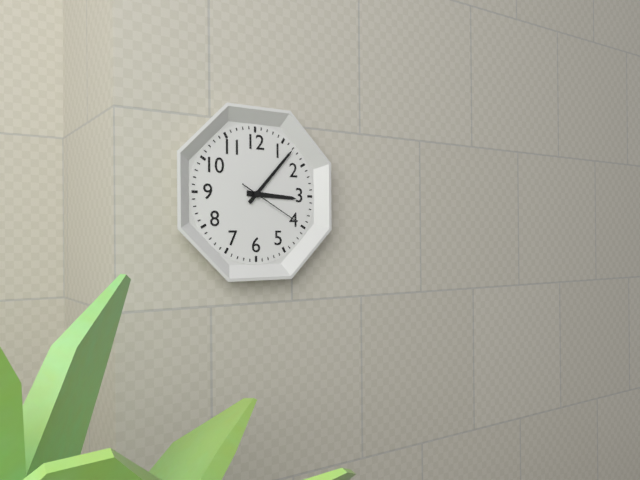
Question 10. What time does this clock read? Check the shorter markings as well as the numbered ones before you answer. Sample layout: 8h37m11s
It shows 3h07m20s
